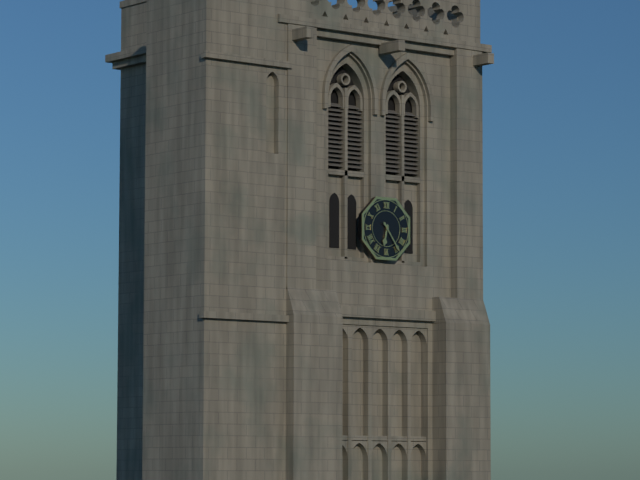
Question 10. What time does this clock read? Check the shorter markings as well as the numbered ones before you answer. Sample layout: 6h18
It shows 6h24
